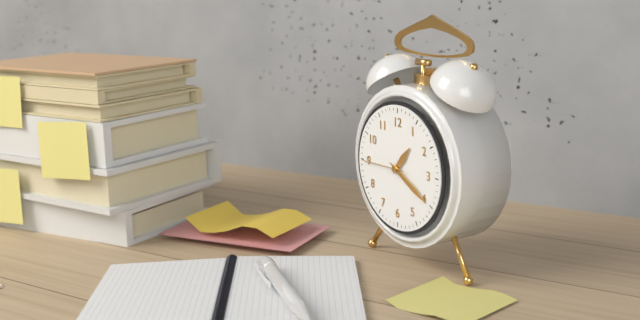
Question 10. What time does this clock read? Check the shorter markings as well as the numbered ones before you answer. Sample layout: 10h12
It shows 1h20
